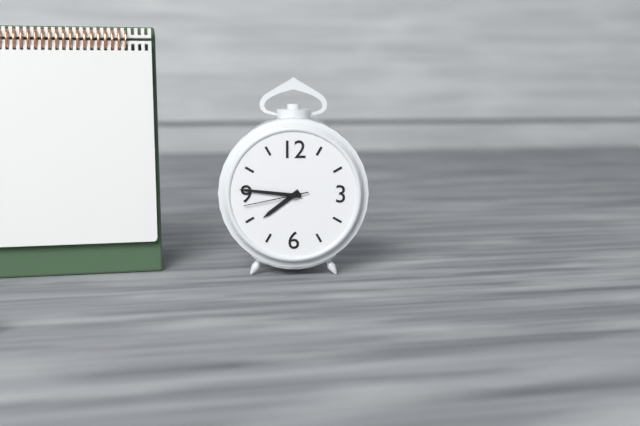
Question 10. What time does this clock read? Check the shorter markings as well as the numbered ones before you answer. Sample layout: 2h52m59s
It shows 7h46m43s
